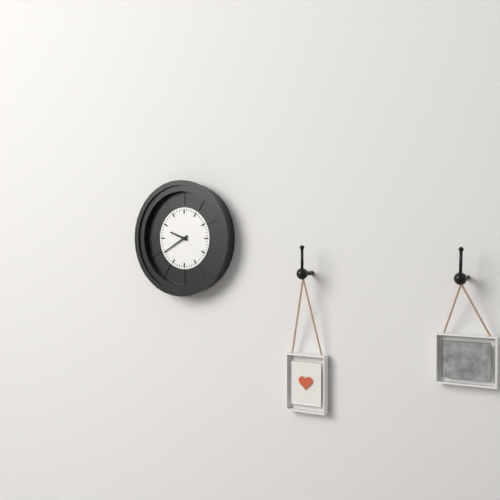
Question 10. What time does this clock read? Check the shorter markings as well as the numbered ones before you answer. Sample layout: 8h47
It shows 9h40
